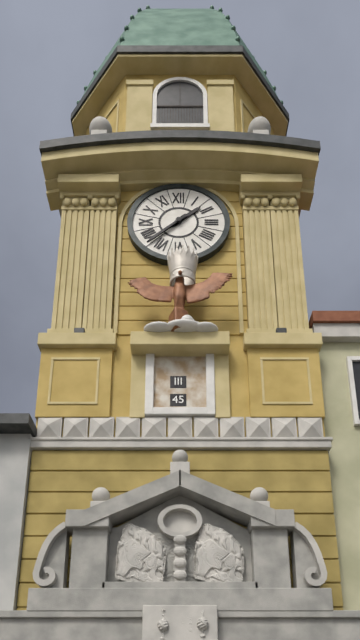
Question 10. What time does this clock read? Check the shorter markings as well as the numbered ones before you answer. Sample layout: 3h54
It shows 1h38
